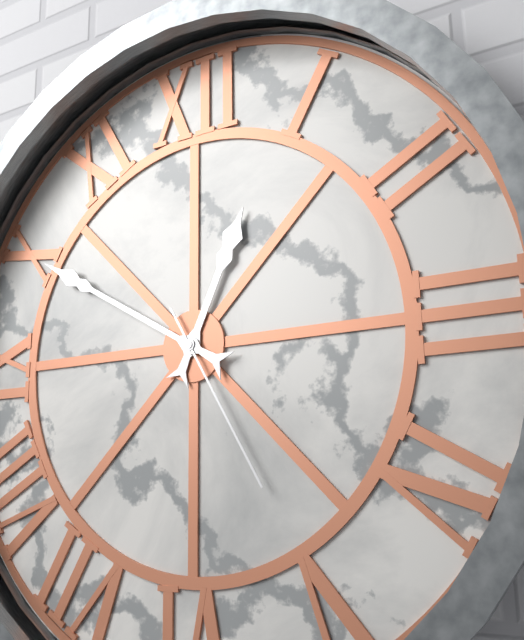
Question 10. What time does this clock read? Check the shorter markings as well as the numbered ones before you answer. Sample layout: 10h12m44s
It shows 12h50m25s
